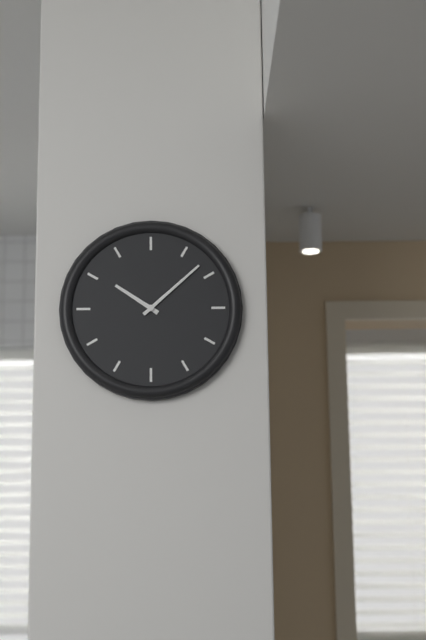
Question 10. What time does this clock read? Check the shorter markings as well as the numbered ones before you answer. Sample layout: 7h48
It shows 10h08
